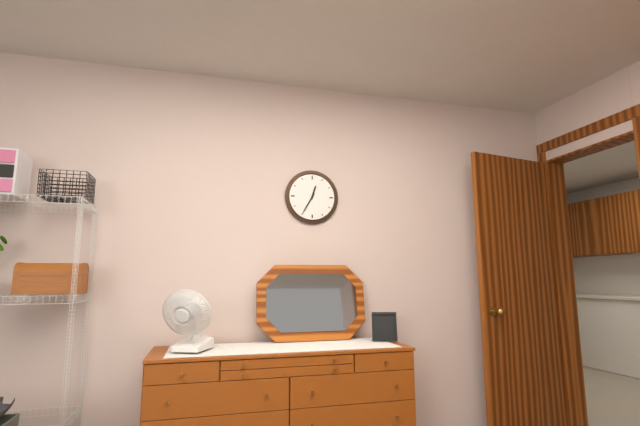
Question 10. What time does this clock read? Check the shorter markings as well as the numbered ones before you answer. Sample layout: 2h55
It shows 12h35
